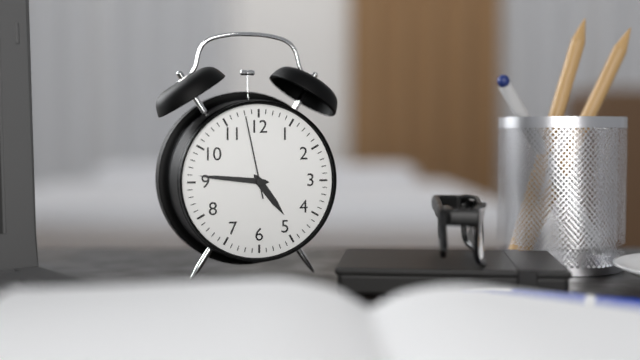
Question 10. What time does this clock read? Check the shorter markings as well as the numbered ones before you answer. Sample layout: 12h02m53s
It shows 4h46m58s
